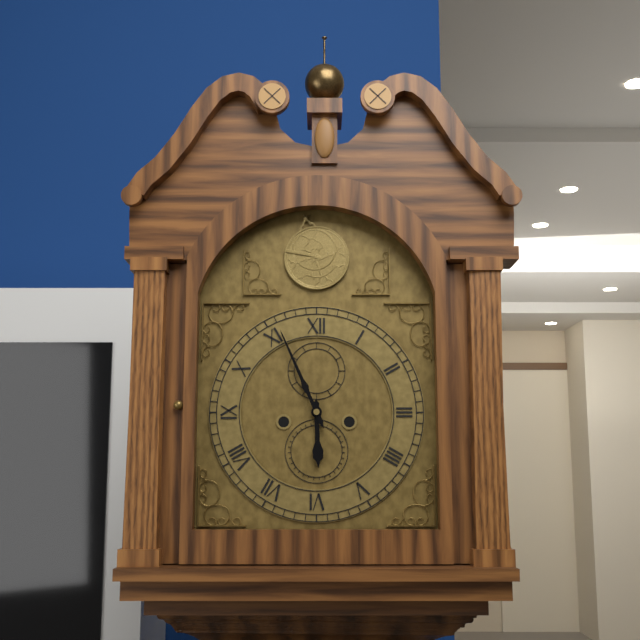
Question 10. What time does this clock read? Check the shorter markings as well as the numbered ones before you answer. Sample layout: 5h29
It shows 5h56
